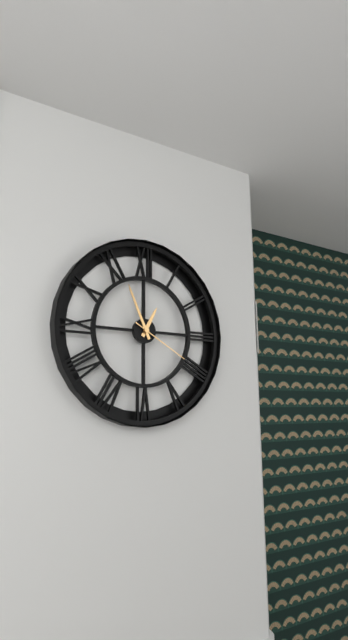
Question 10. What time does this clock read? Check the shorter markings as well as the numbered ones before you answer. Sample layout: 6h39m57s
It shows 12h56m20s
